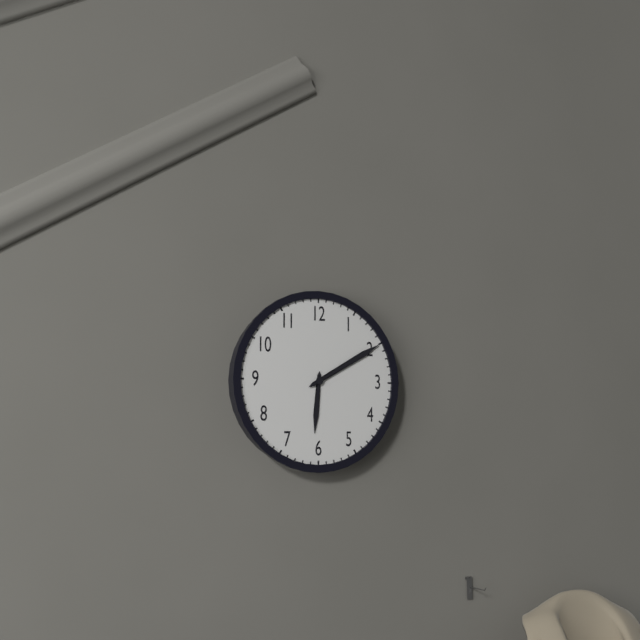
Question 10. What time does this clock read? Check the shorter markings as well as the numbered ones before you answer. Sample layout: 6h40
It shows 6h10
